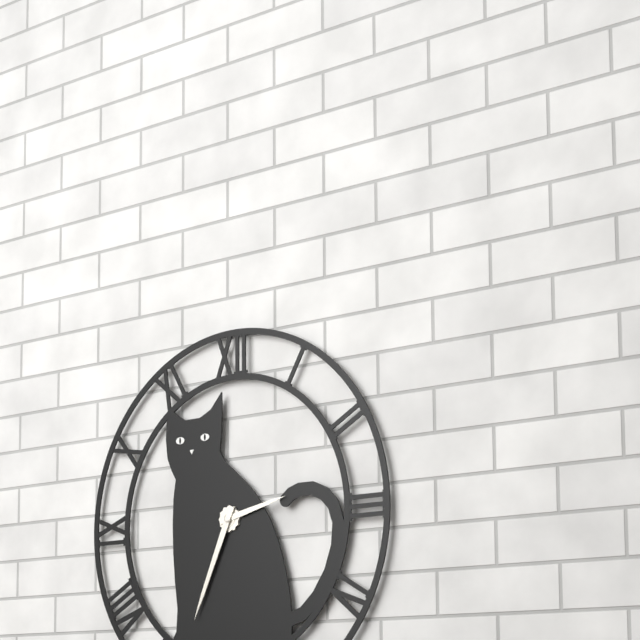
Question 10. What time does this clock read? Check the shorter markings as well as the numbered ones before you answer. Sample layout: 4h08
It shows 2h34
